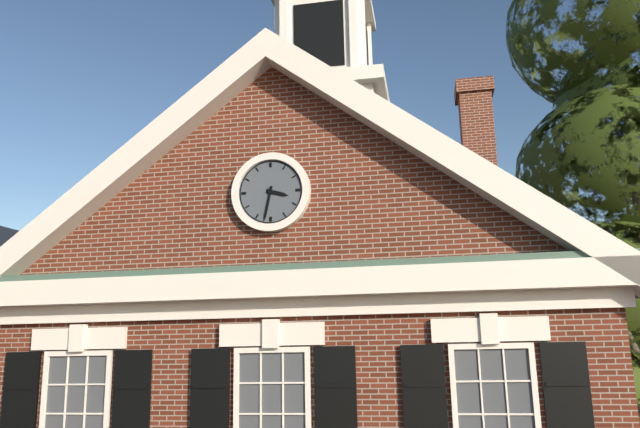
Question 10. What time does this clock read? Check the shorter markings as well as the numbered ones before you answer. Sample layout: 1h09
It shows 3h32
